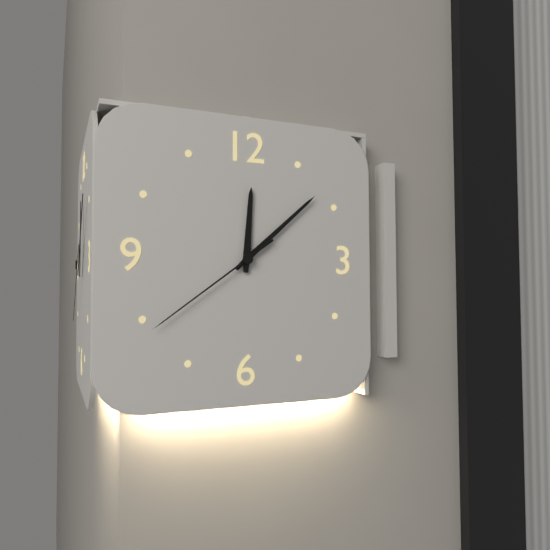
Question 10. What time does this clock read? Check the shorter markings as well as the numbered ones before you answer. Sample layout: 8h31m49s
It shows 12h08m39s
